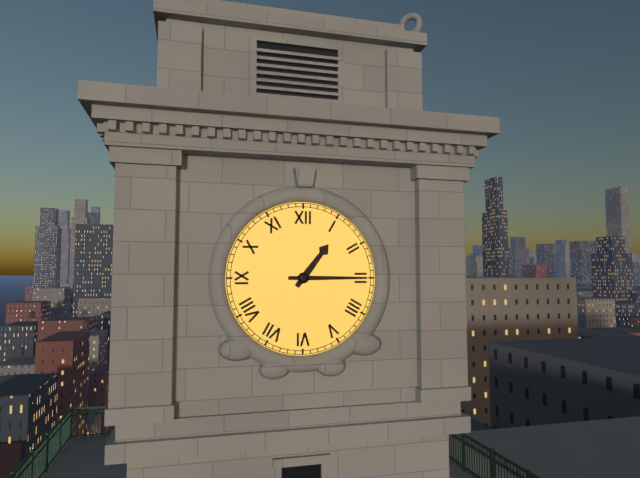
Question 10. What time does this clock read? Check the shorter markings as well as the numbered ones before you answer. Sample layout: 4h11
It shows 1h15
